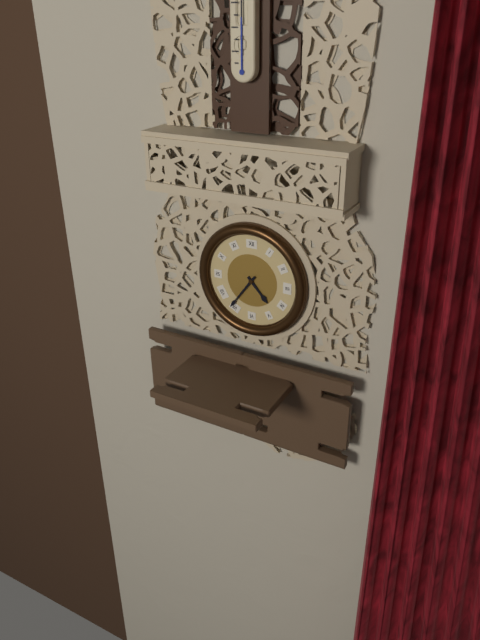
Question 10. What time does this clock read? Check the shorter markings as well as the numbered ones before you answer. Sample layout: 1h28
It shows 4h36
